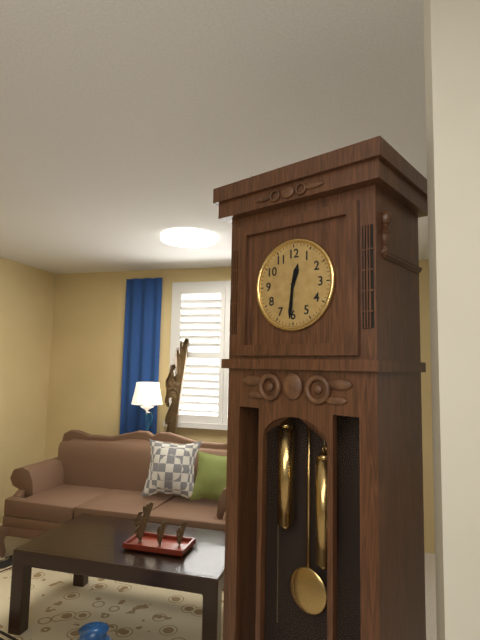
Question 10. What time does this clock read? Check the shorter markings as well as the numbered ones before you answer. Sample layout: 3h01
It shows 12h31
